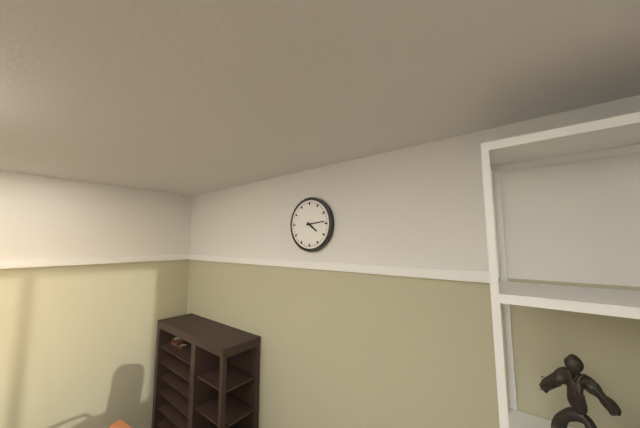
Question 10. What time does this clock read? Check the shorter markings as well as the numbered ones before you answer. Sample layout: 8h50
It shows 4h14
